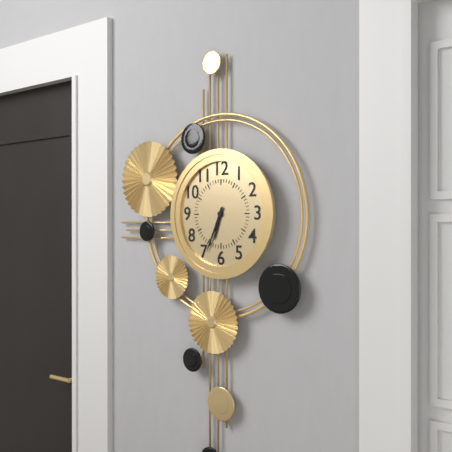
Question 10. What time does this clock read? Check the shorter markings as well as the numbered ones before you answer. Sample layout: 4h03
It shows 6h34
